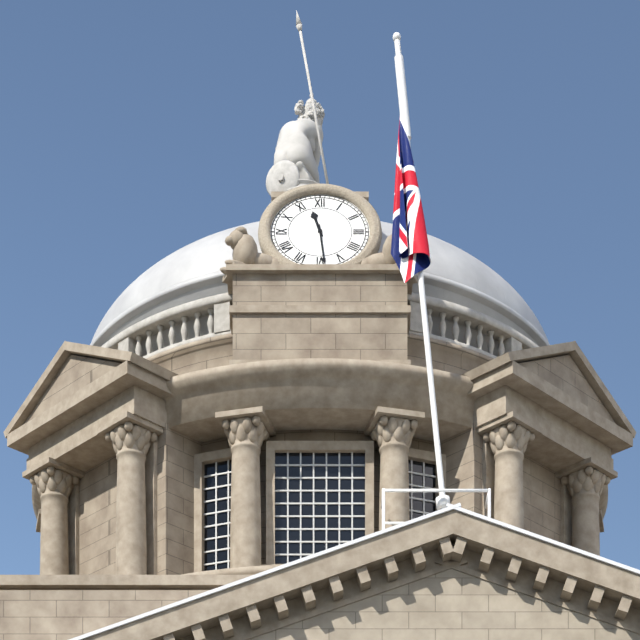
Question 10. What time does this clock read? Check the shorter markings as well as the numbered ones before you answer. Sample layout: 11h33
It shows 11h29
